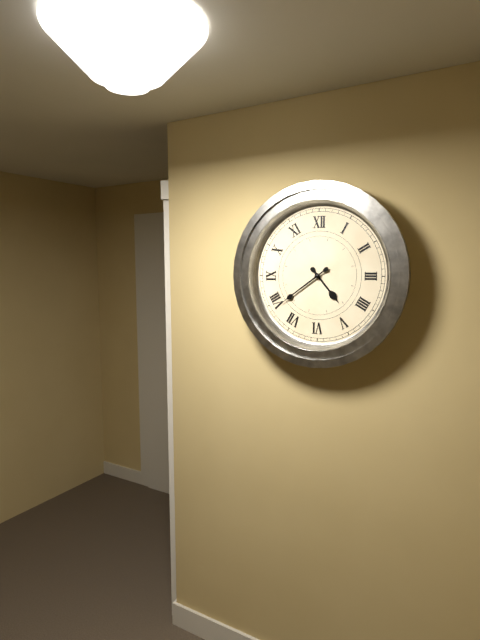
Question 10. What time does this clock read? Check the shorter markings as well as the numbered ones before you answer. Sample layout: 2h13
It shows 4h39
